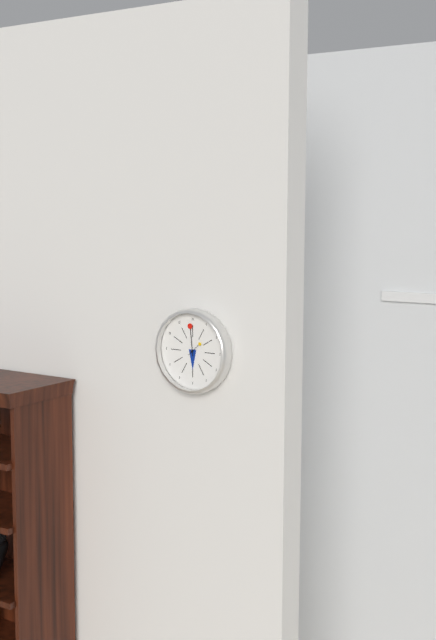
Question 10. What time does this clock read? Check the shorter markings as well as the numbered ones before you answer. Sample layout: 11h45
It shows 5h59
